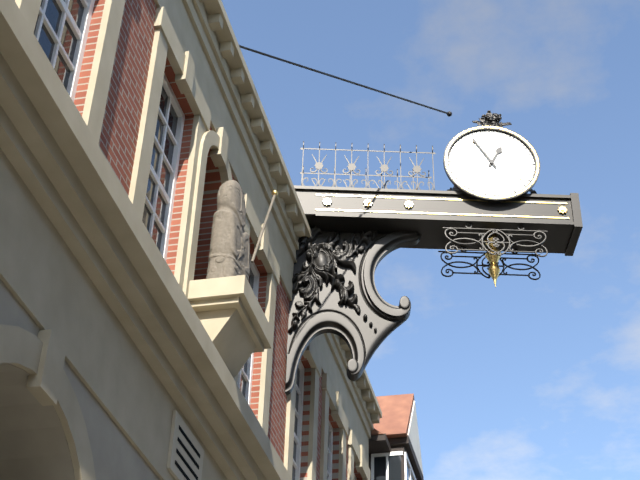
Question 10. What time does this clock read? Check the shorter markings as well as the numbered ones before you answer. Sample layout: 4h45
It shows 12h55
